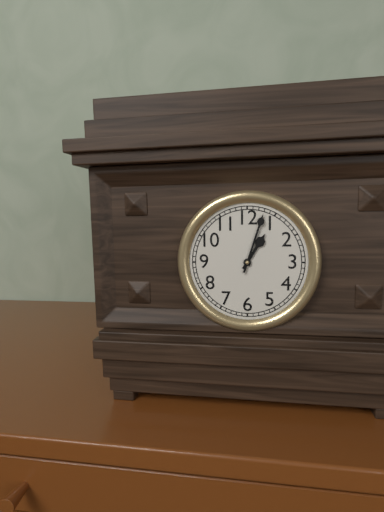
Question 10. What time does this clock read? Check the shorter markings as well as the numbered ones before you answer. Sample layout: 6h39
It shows 1h03
